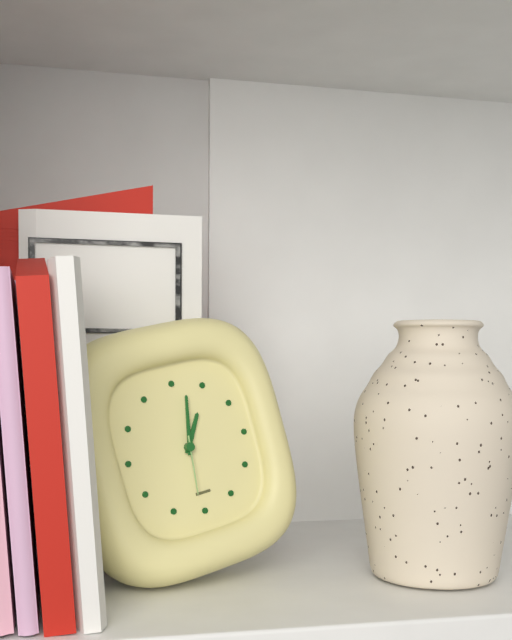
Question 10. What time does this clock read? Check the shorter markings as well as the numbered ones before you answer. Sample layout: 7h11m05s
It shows 1h02m31s
